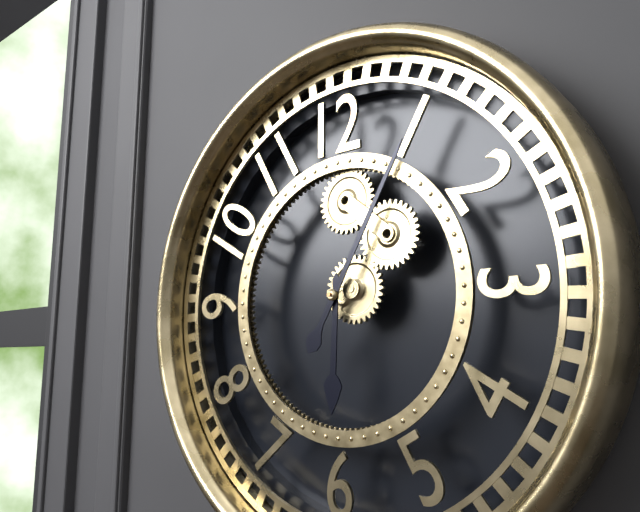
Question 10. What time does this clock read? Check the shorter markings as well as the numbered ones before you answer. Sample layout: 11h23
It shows 6h05
